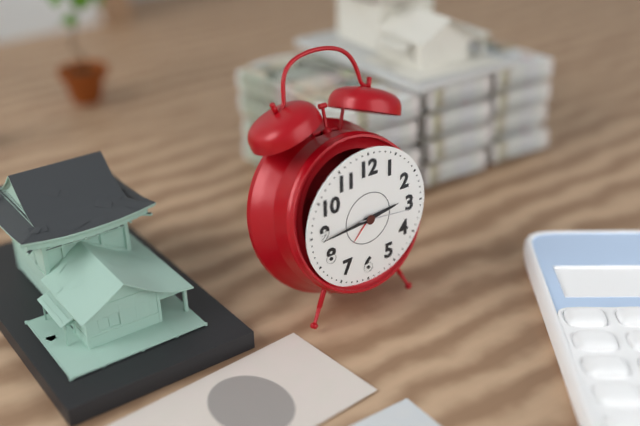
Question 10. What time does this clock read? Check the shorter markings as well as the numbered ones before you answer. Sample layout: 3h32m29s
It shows 2h44m16s
